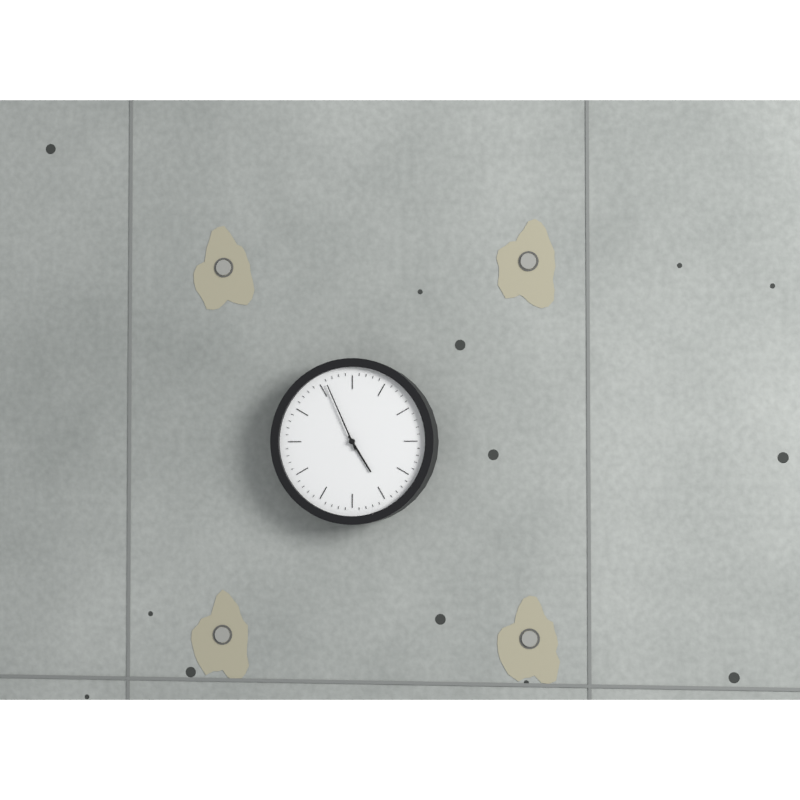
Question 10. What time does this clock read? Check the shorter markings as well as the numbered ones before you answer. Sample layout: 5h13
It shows 4h56
